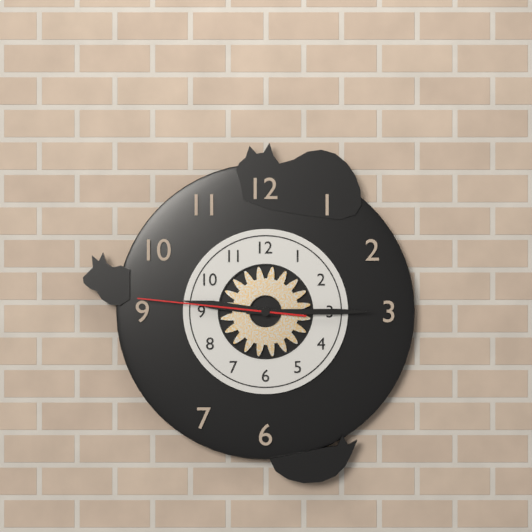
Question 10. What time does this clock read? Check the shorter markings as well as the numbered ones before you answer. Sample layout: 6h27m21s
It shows 9h15m46s
